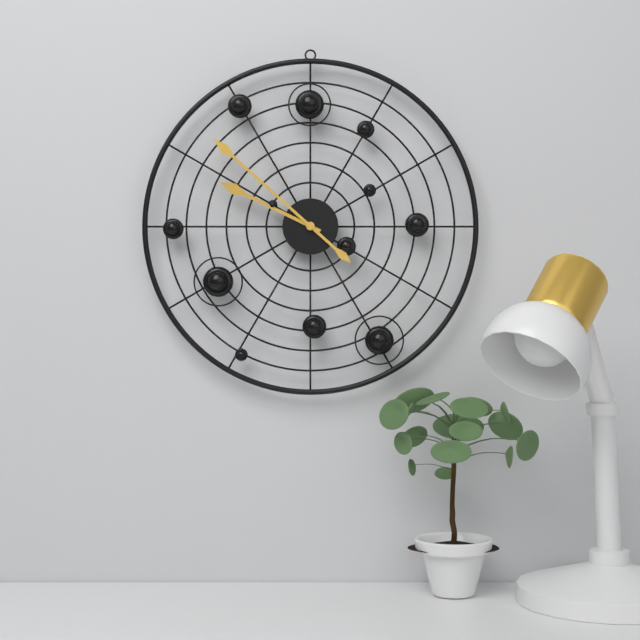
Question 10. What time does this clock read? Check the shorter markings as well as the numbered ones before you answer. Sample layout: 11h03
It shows 9h52
